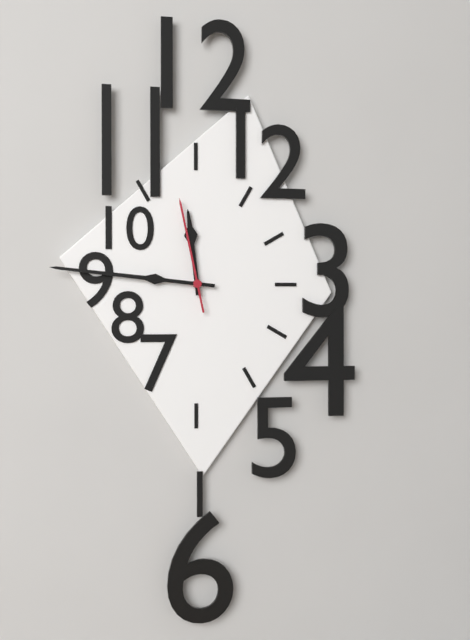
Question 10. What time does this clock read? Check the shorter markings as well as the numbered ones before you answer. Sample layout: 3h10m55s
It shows 11h46m58s
